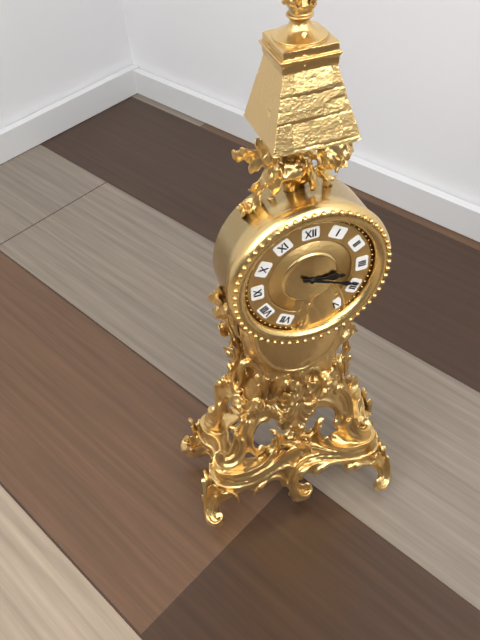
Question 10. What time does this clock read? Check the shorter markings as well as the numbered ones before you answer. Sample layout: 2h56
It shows 3h19
